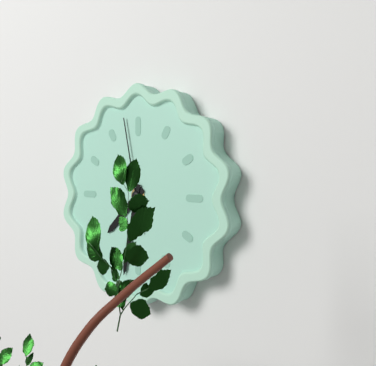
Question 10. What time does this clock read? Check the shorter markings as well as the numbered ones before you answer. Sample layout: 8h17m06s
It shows 7h32m58s
